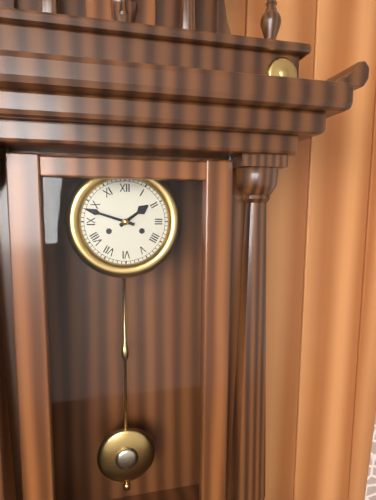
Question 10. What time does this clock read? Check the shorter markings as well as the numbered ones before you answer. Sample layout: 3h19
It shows 1h48
